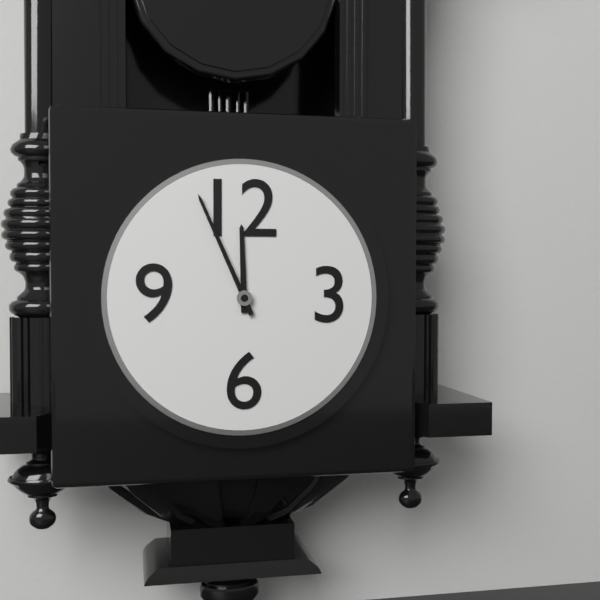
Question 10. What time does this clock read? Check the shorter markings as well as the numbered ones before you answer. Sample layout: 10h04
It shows 11h56
